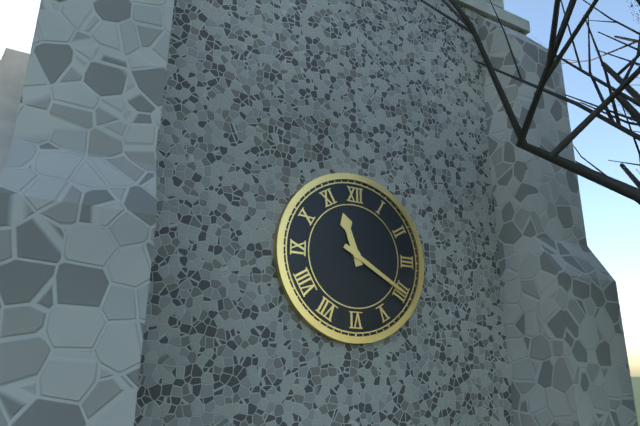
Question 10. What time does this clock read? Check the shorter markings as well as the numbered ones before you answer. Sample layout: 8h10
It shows 11h20
